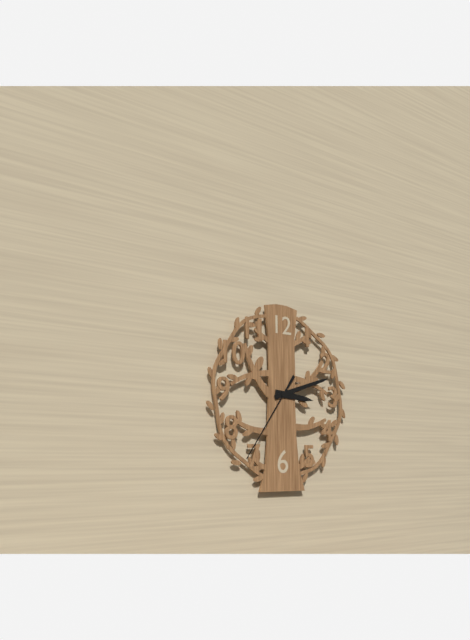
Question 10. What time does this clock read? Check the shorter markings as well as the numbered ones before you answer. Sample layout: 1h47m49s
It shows 3h12m36s
